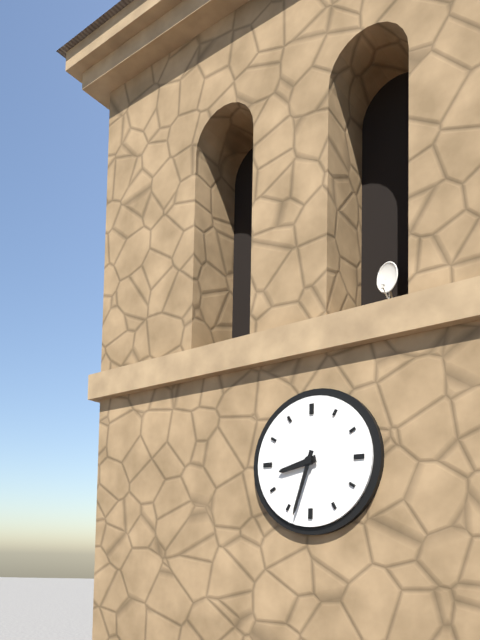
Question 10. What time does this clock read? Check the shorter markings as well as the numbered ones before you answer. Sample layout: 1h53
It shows 8h33
